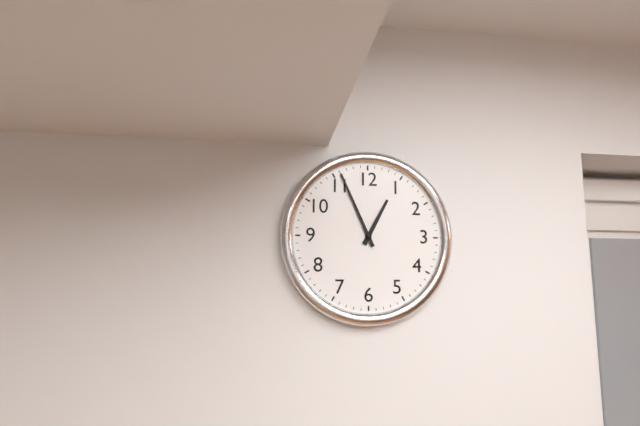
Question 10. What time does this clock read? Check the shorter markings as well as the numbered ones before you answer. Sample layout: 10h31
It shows 12h56
